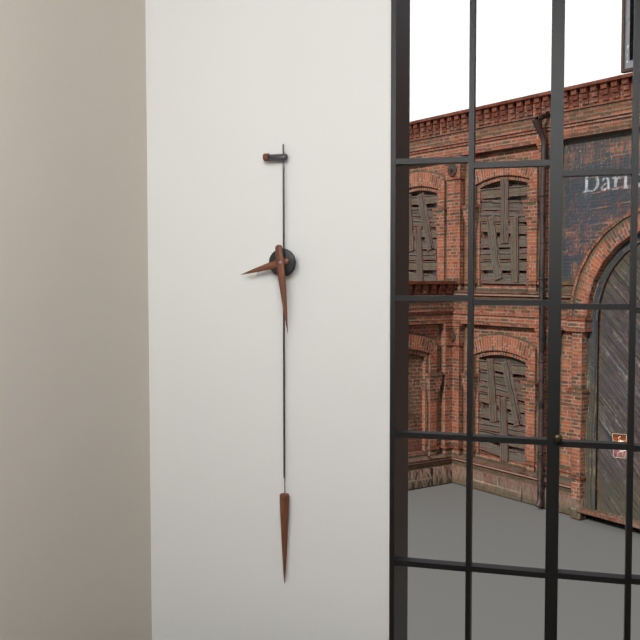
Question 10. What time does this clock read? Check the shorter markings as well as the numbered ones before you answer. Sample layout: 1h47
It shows 8h29
